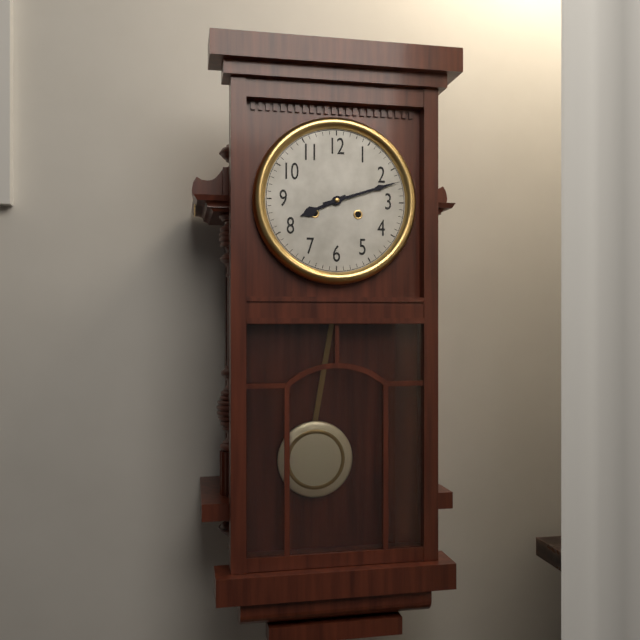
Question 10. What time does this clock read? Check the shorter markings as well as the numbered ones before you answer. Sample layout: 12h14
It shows 8h12
